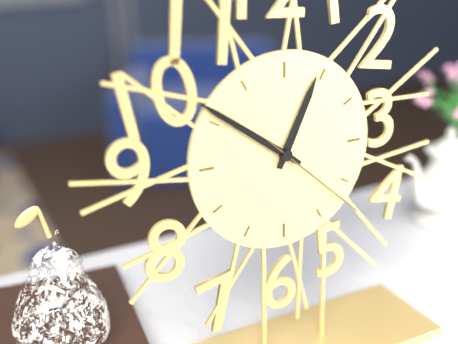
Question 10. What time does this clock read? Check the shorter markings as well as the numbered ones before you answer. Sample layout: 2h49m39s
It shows 12h51m22s
